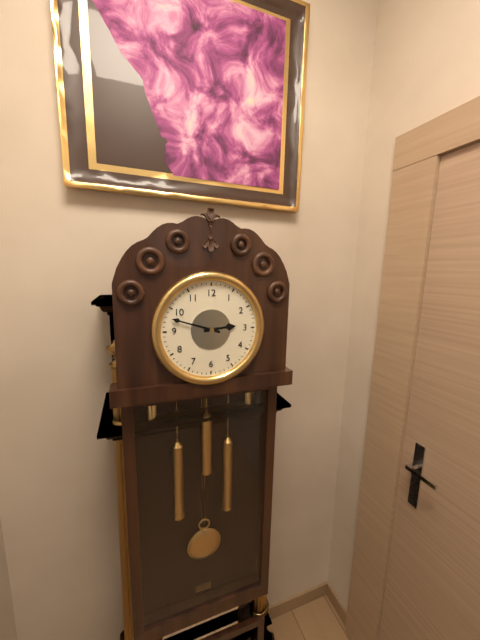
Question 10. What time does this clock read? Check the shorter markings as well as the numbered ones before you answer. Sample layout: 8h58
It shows 2h48
